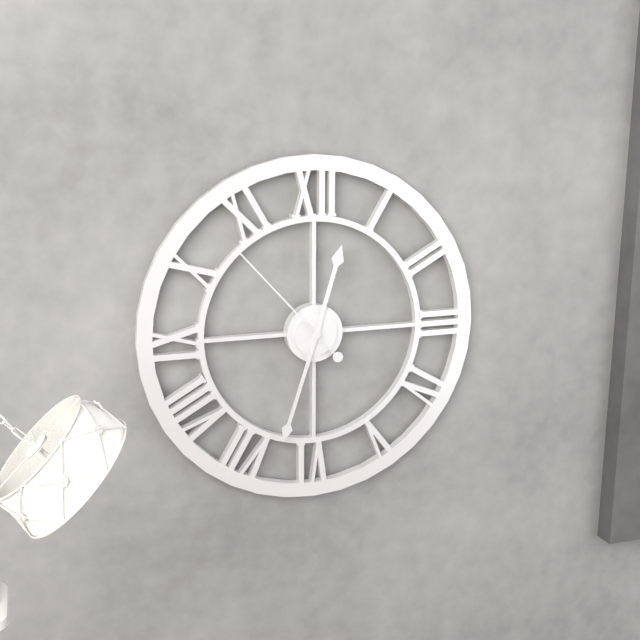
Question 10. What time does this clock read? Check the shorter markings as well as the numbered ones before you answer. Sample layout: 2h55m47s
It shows 12h33m53s
